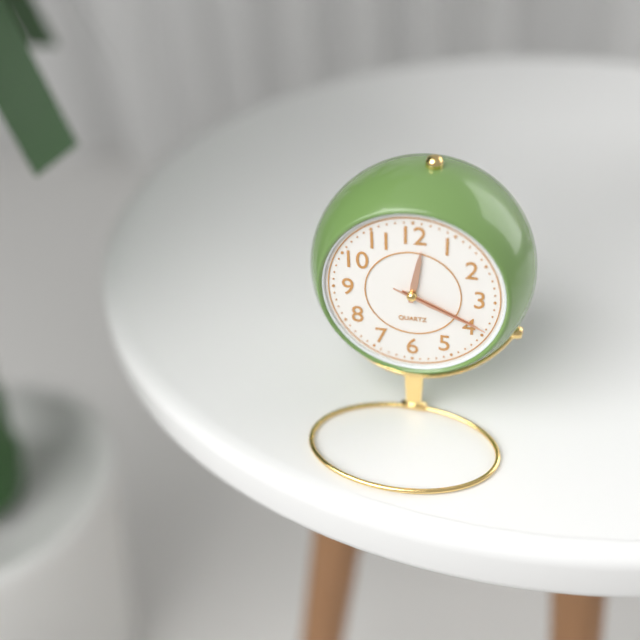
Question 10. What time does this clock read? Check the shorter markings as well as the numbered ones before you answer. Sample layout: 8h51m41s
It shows 12h19m19s
